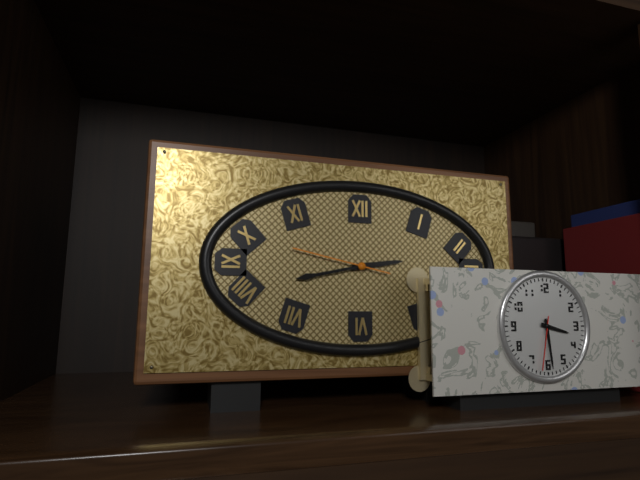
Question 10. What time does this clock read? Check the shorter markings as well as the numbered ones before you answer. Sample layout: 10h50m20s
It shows 2h43m47s
